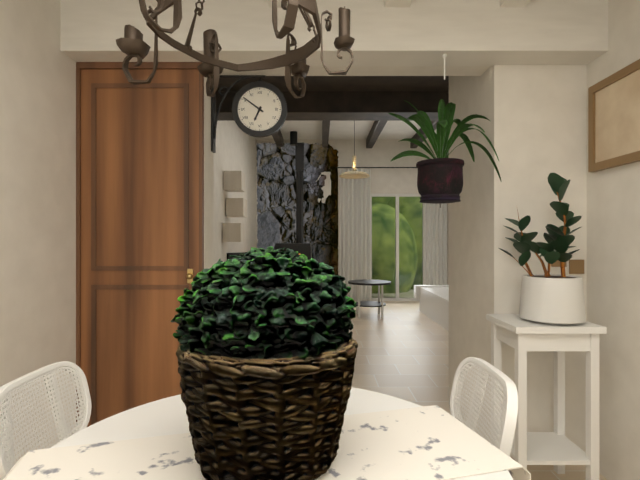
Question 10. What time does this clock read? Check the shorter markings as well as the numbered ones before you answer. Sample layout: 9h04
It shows 6h51
